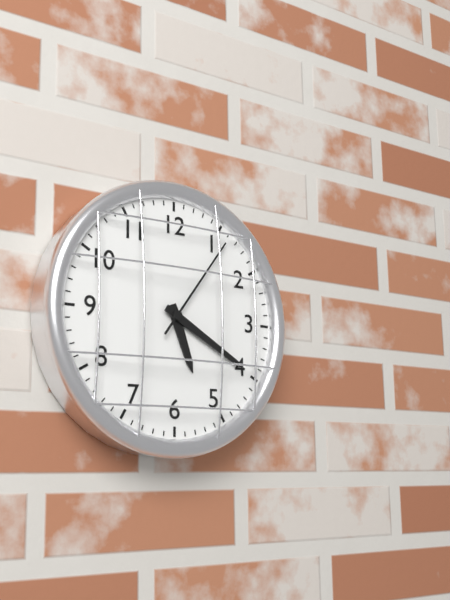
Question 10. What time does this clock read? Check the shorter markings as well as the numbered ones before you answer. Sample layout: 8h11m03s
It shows 5h20m06s
